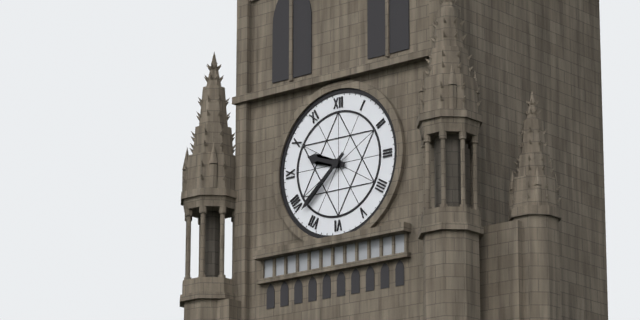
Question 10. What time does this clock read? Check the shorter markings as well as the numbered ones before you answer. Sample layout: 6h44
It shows 9h38
